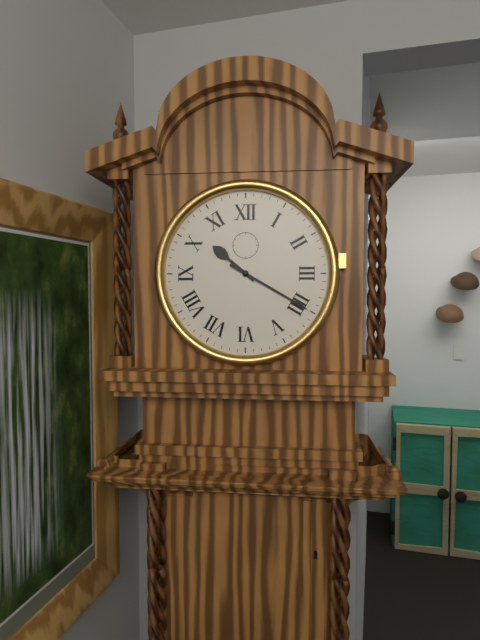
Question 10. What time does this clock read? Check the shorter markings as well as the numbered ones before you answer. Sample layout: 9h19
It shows 10h20
